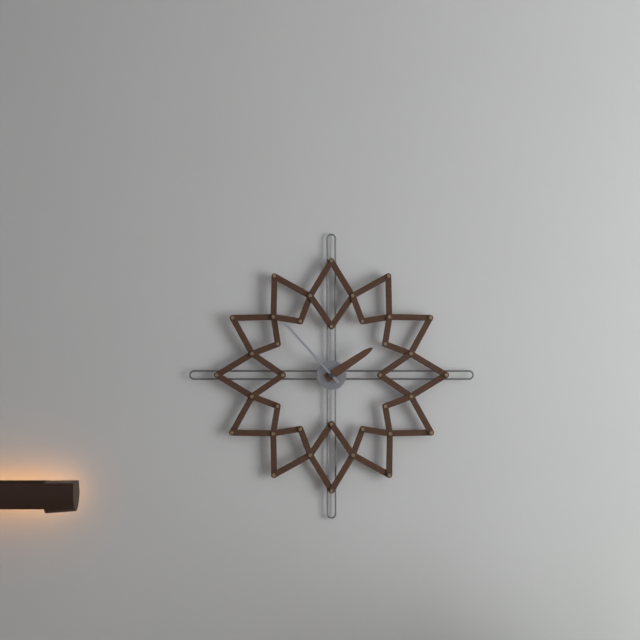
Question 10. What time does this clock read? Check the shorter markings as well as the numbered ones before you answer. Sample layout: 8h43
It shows 1h53
